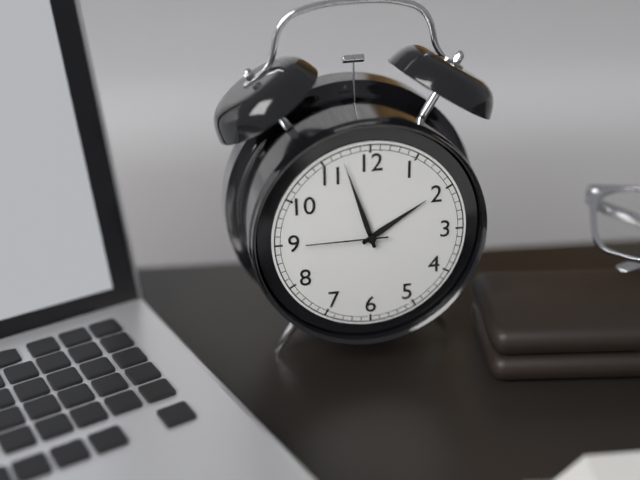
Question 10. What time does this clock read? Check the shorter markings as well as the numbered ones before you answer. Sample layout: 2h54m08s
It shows 1h57m45s
